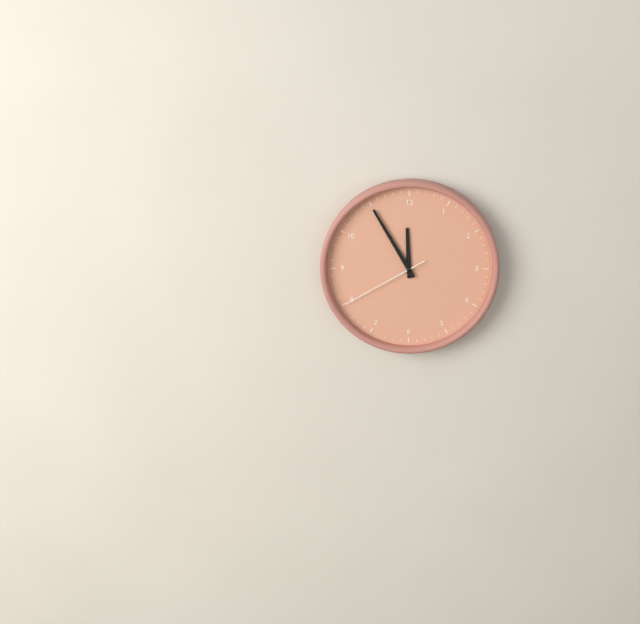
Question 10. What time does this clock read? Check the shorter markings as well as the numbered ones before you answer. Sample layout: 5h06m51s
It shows 11h55m40s
